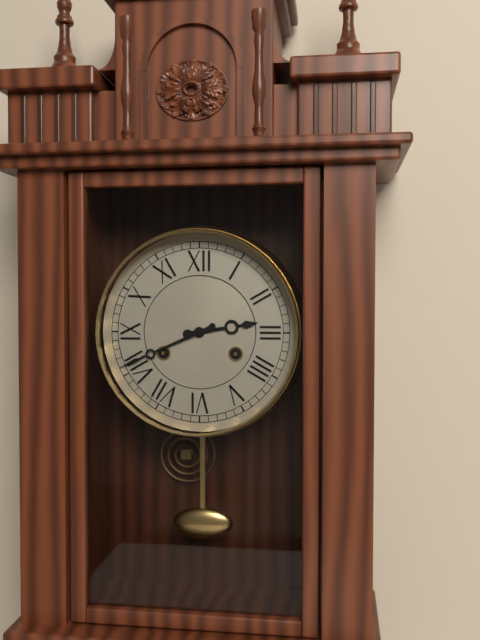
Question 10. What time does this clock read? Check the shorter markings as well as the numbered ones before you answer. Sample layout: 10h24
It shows 2h41
